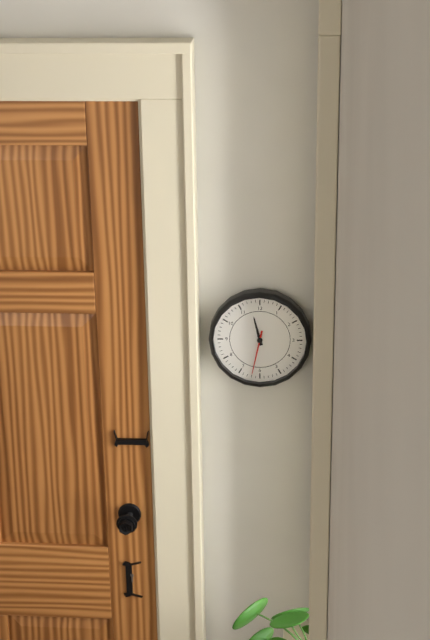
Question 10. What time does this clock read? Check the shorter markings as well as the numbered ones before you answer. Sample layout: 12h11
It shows 11h32
